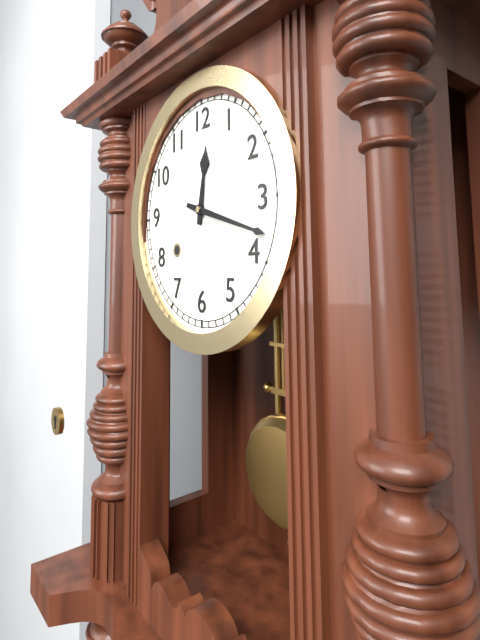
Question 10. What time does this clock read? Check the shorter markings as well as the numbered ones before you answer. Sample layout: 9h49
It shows 12h18
